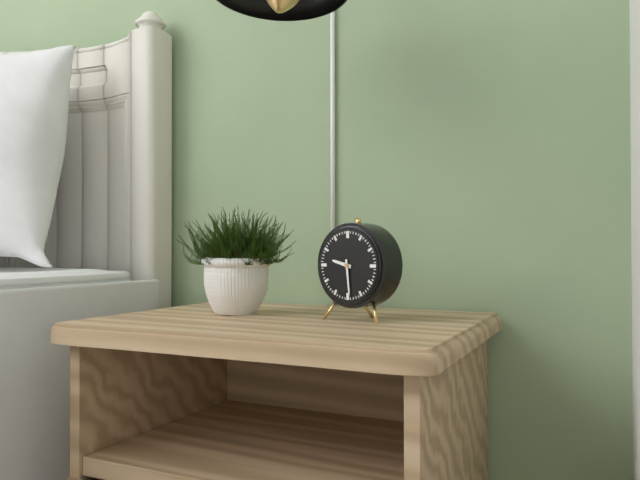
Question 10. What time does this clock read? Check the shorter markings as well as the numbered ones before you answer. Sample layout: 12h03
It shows 9h29
